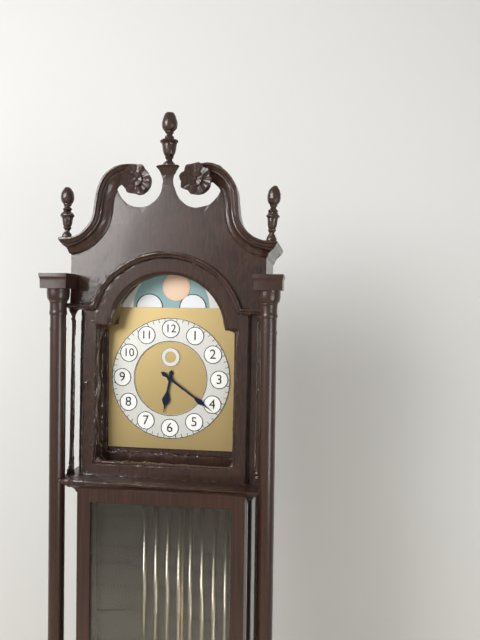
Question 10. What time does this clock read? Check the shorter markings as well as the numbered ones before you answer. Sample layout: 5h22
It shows 6h21
